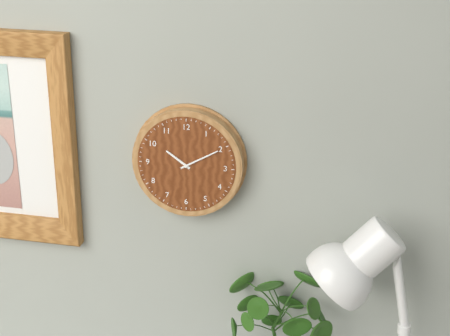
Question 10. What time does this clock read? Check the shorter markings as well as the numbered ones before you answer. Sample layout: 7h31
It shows 10h10
